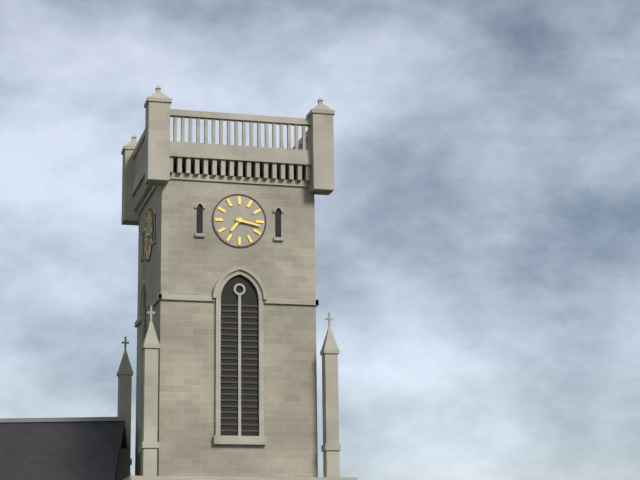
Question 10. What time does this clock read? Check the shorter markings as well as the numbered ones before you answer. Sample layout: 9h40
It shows 7h17
